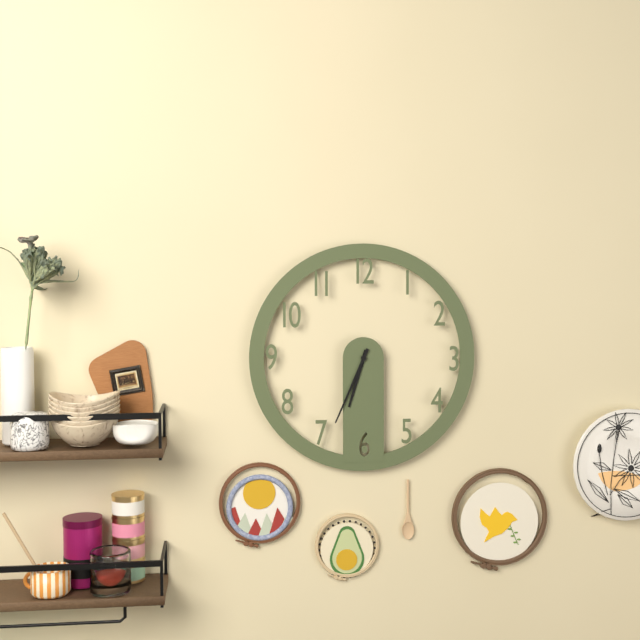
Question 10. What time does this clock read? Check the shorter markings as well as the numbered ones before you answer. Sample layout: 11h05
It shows 6h34
